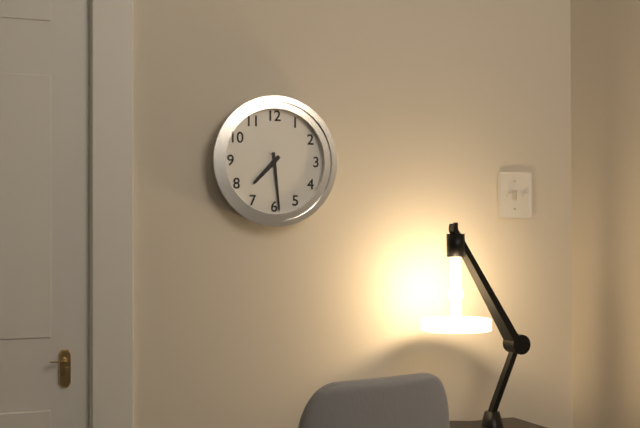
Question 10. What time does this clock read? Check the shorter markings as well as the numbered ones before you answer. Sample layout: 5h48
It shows 7h29
